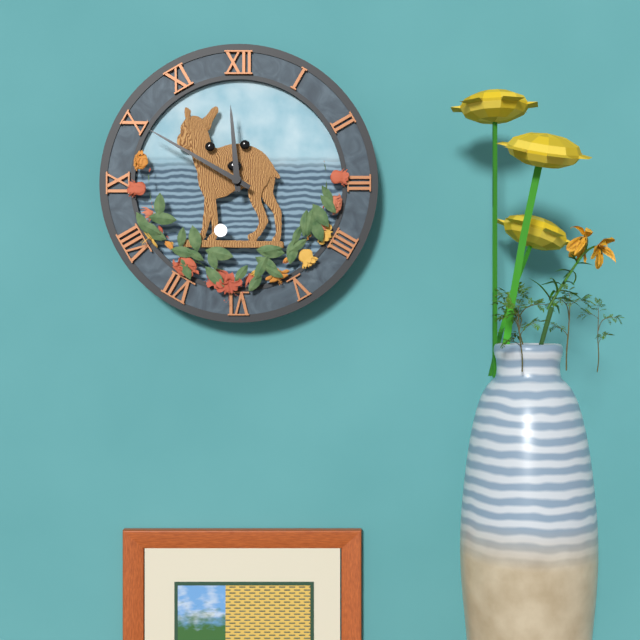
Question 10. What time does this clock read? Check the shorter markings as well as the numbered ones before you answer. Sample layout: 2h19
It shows 11h50
